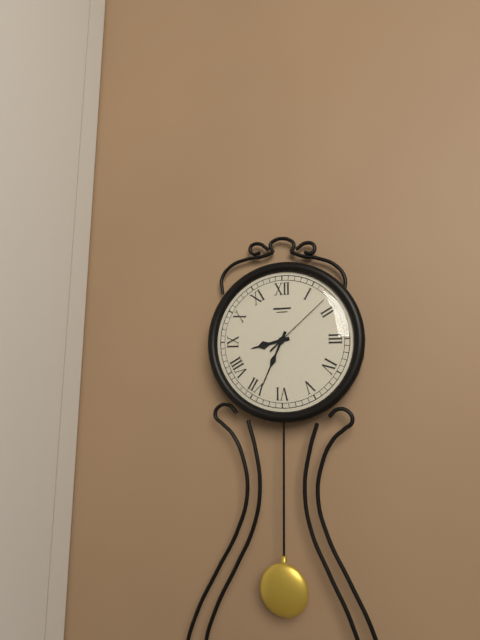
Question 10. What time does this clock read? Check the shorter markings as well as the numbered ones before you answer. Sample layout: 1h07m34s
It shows 8h34m08s
